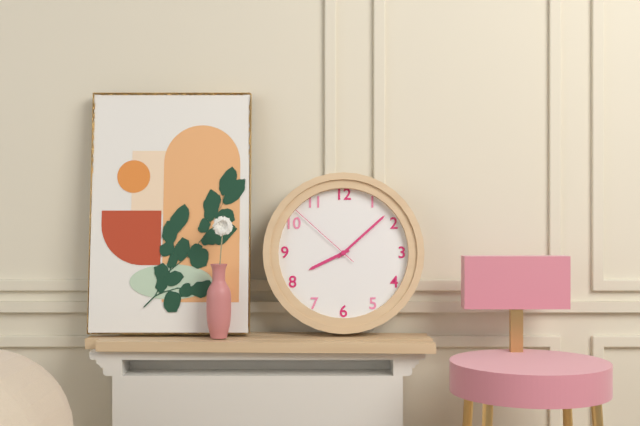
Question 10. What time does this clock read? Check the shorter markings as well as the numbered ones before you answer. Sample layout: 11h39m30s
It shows 8h08m52s
